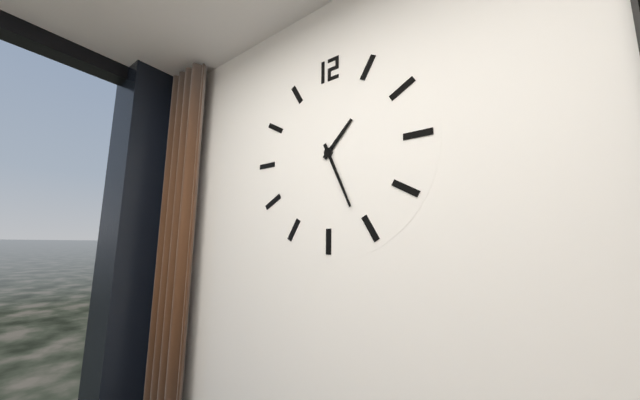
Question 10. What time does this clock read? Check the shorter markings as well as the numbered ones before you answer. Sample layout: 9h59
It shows 1h26
